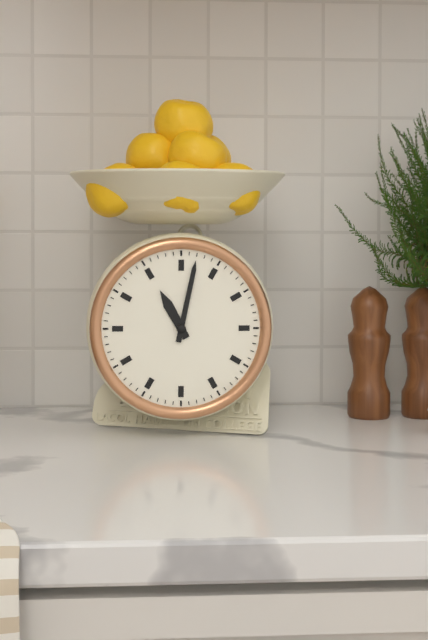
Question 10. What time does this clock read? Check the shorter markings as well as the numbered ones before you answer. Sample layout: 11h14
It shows 11h02
